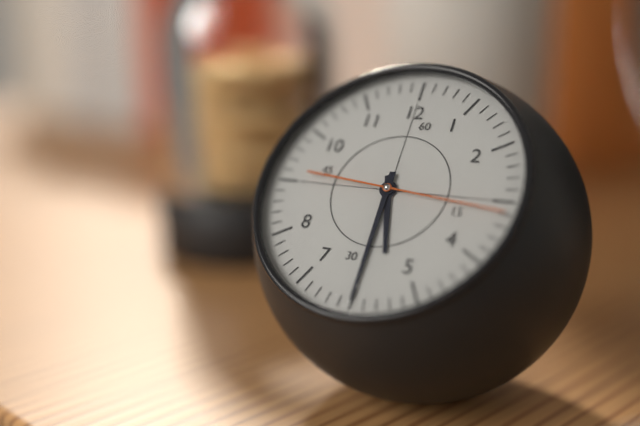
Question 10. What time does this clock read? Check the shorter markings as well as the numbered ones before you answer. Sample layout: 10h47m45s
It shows 5h30m16s
